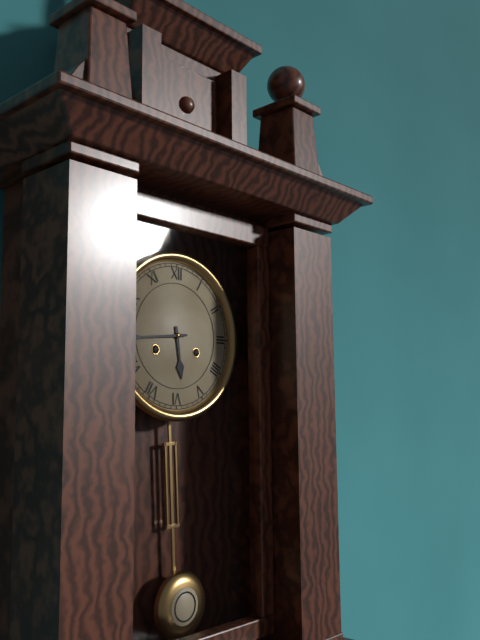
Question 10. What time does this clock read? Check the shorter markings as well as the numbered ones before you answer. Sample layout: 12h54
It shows 5h44
